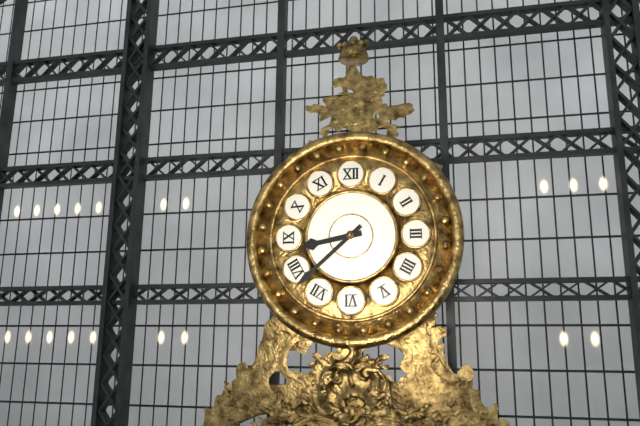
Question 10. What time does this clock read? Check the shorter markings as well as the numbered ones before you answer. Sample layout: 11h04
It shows 8h38
